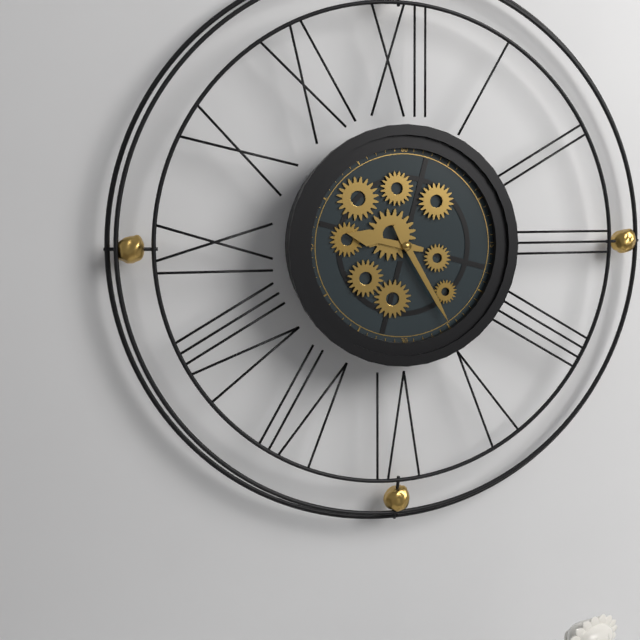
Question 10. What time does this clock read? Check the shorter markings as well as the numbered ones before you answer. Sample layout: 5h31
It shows 9h25
